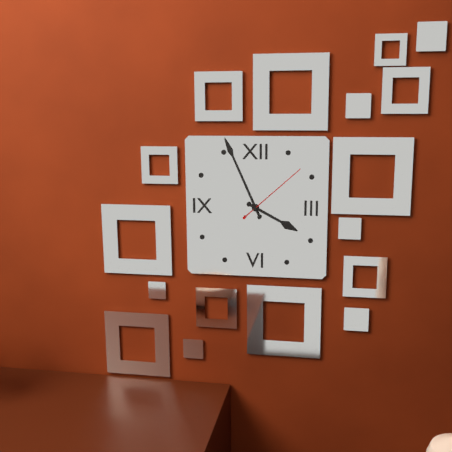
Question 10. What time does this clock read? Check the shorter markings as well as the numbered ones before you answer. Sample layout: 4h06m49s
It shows 3h56m08s
